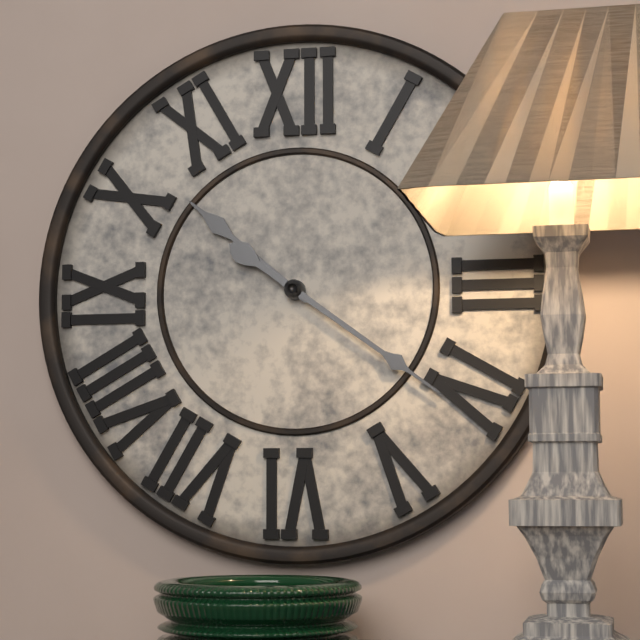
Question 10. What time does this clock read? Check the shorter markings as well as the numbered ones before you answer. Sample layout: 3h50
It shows 10h21
